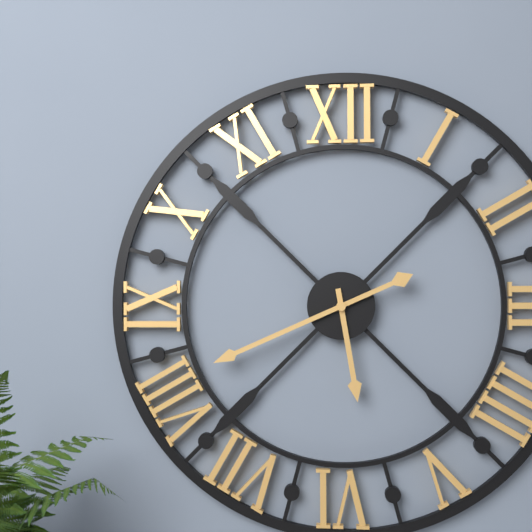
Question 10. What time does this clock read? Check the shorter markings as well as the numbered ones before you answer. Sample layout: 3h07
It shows 5h41
